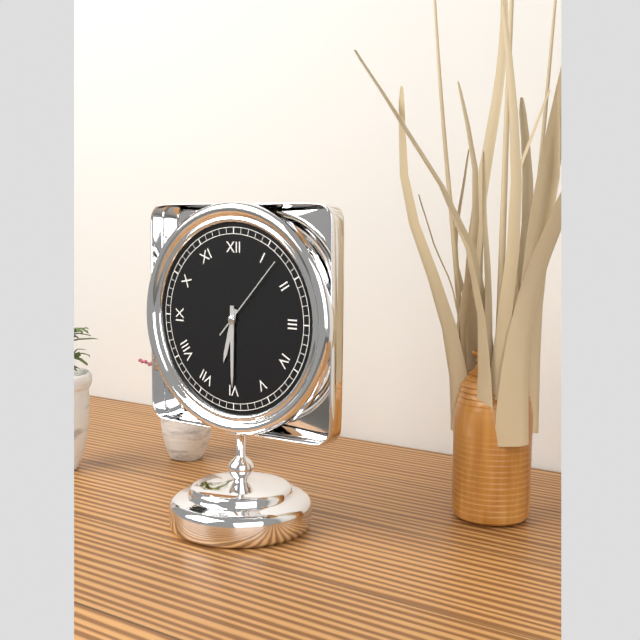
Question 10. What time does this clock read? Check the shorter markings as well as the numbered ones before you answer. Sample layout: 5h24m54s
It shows 6h30m07s
